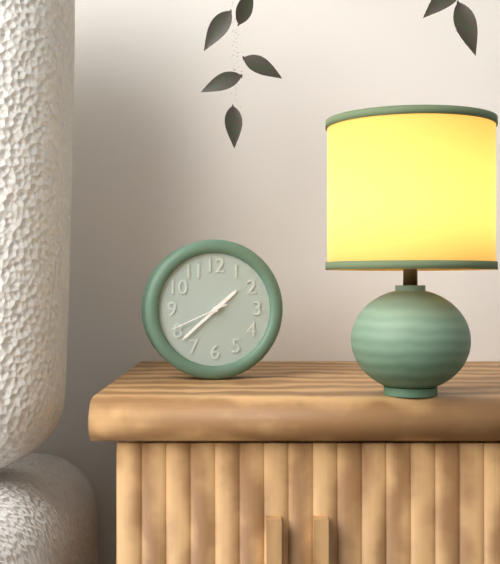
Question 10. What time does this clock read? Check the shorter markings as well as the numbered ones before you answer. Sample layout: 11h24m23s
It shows 1h38m41s
